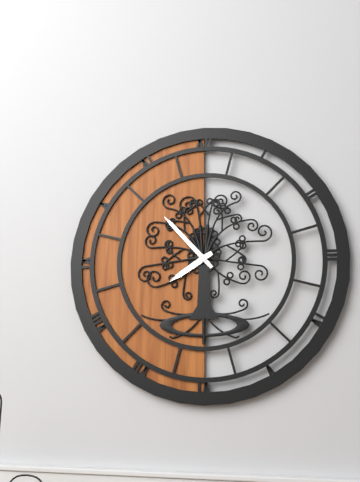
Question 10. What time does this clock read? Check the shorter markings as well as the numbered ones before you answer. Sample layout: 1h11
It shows 7h53
